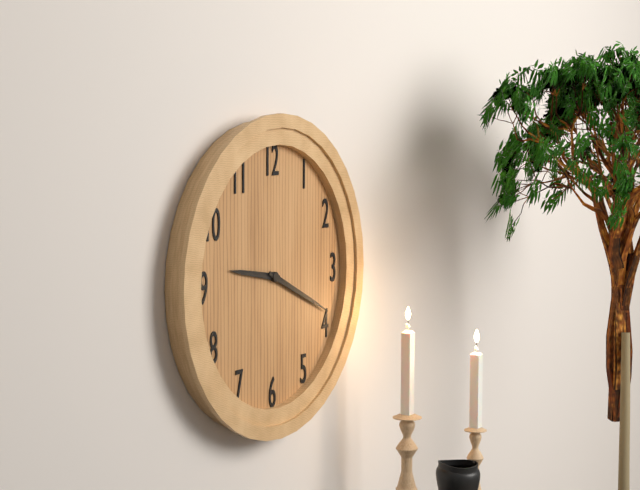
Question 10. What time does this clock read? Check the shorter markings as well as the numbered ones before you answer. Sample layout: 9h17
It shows 9h19
